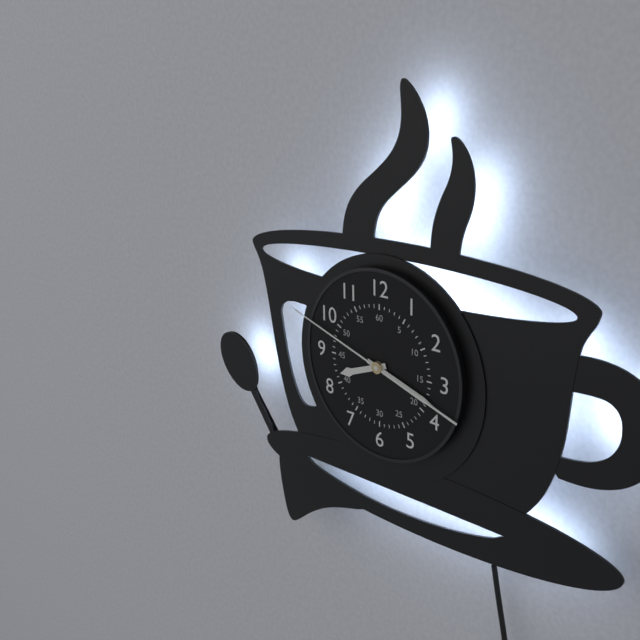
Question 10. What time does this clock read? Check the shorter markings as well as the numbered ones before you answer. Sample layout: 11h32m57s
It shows 8h18m48s
